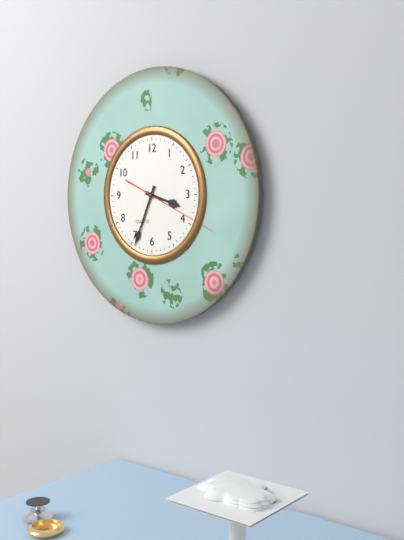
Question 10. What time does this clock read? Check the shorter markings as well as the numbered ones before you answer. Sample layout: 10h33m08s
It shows 3h34m19s
